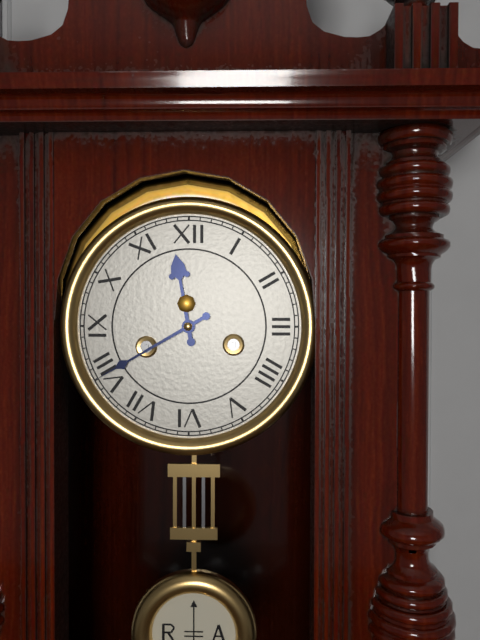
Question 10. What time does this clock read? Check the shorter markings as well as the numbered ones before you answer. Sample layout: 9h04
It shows 11h40
